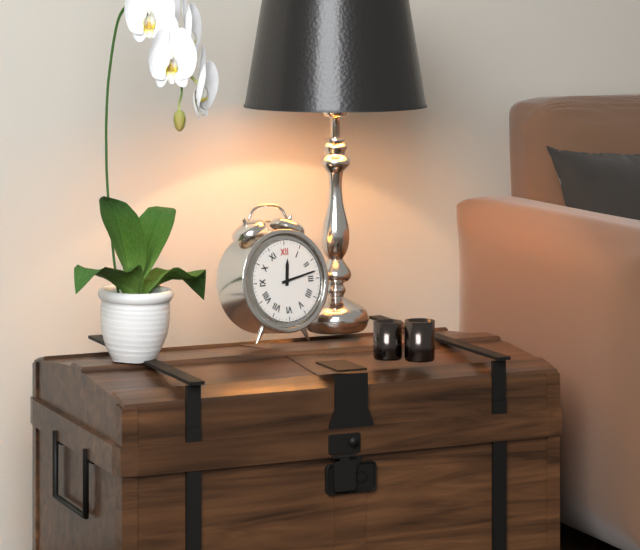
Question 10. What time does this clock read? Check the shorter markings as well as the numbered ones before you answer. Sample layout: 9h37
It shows 12h13
